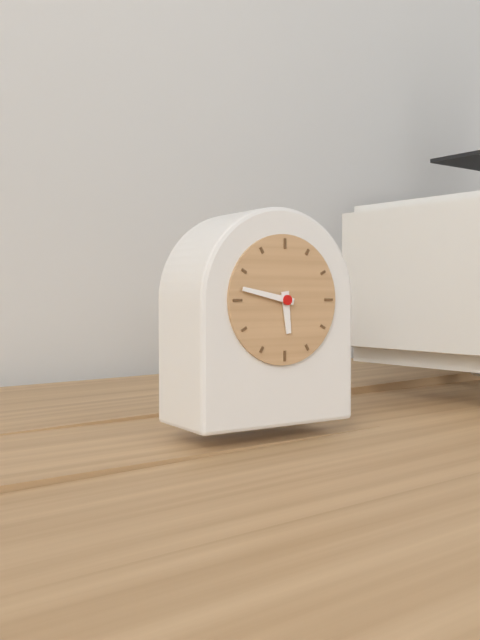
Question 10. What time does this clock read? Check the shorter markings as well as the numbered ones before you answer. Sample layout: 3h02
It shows 5h47
